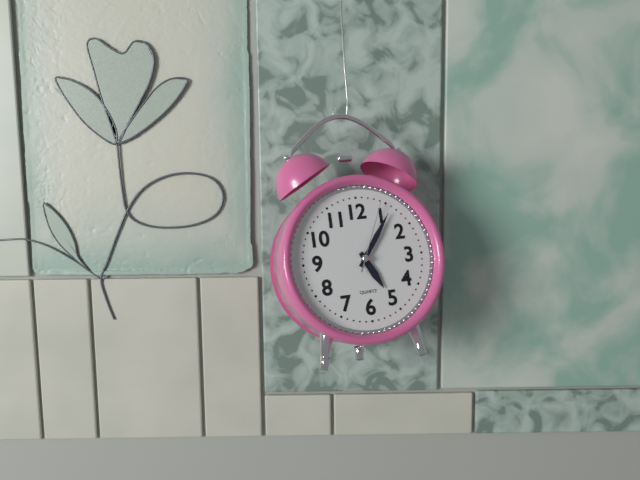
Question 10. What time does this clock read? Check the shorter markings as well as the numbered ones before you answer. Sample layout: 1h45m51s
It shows 5h06m04s
